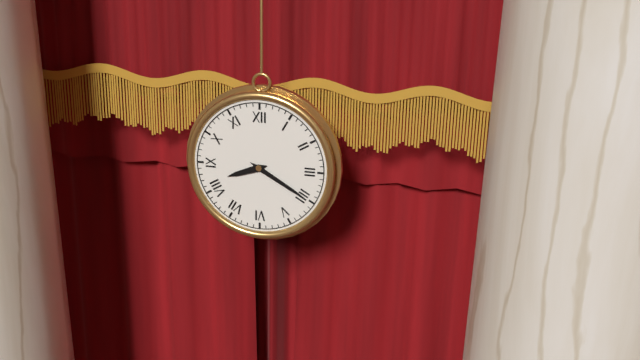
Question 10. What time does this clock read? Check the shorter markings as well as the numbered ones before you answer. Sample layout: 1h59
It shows 8h20
